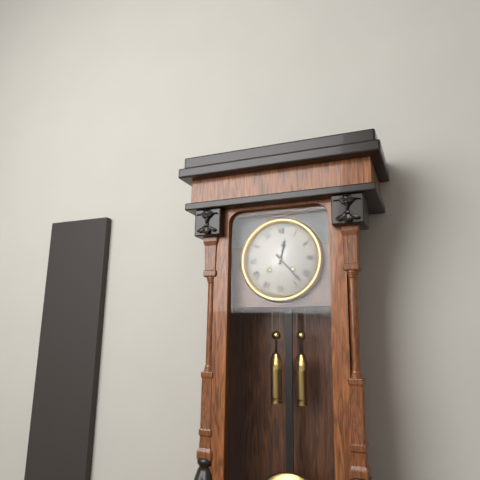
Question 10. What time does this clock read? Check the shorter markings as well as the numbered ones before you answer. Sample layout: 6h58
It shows 12h23
